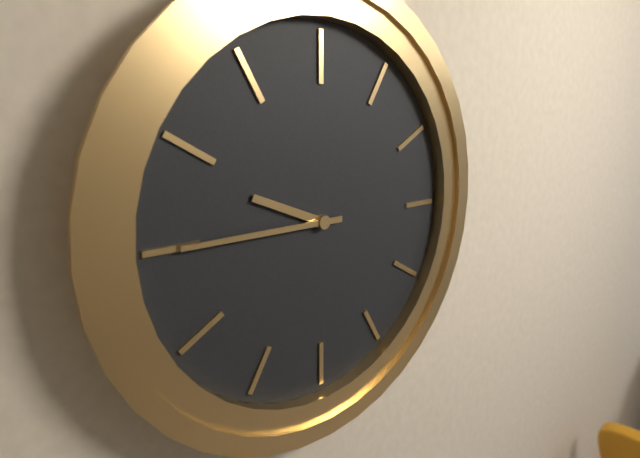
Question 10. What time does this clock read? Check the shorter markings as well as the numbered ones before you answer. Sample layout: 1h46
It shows 9h45
